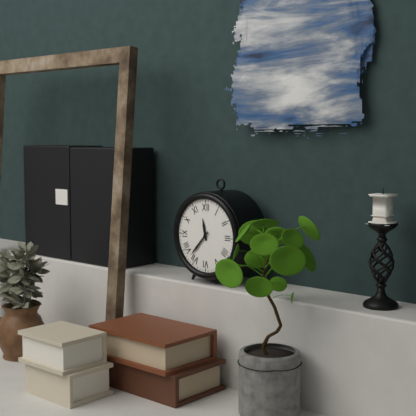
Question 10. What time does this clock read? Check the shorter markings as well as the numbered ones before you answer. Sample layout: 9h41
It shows 11h37
